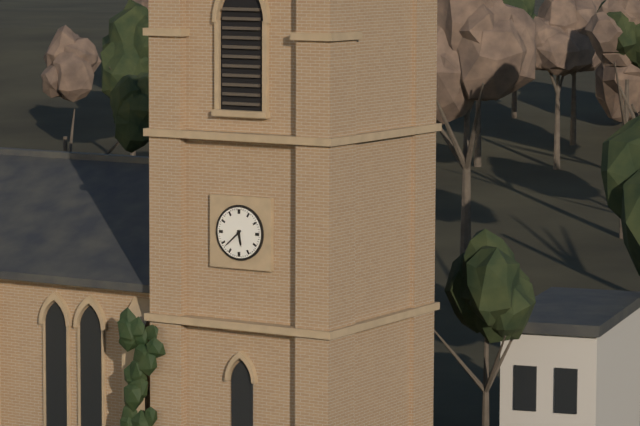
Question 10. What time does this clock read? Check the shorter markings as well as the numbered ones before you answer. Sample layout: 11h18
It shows 5h38
